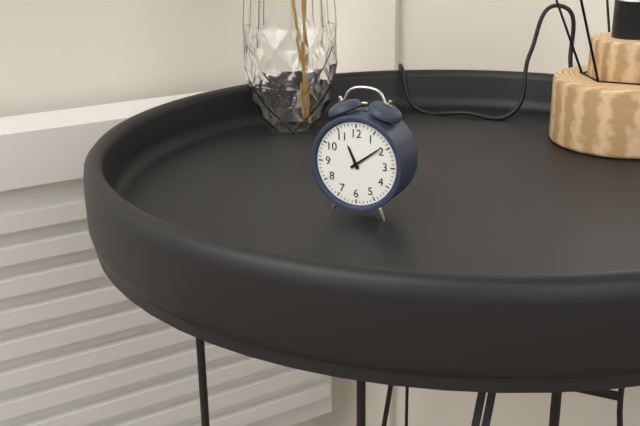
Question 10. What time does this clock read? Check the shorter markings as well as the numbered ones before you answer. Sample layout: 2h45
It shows 11h09
